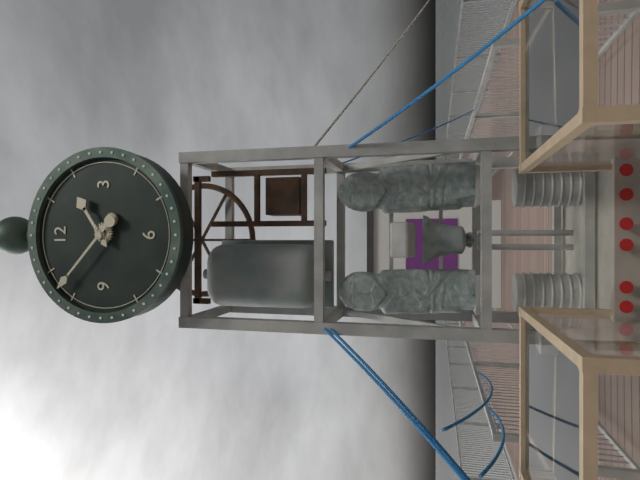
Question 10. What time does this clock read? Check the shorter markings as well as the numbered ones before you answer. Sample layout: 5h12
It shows 1h52
